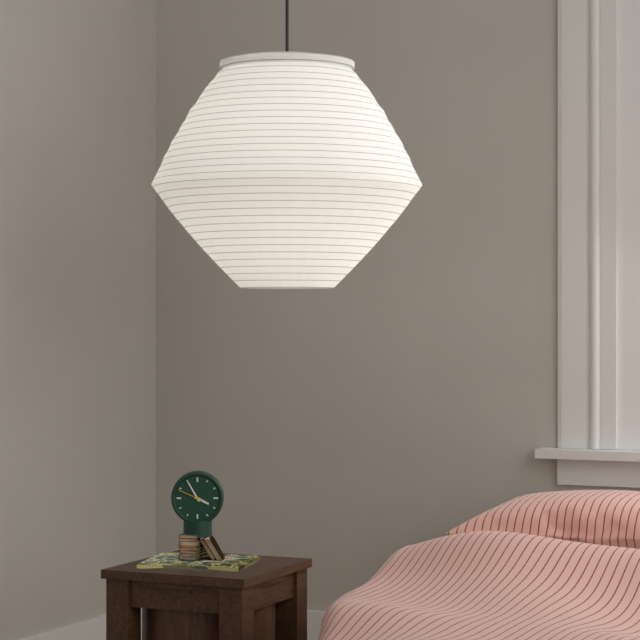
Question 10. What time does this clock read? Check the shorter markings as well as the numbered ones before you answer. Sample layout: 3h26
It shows 3h55
